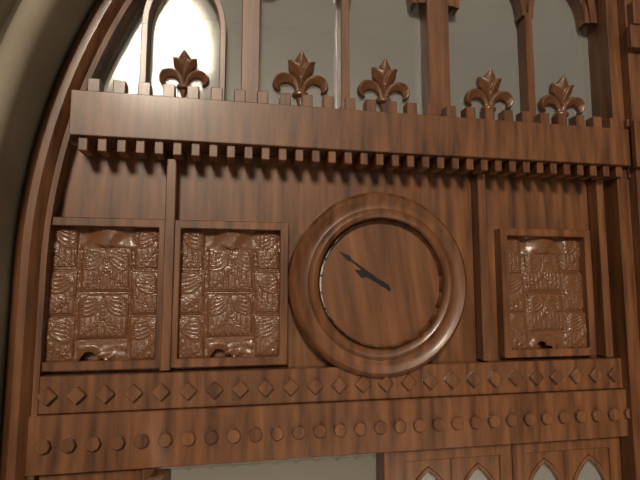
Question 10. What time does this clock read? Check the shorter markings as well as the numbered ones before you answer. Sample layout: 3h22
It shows 9h51
